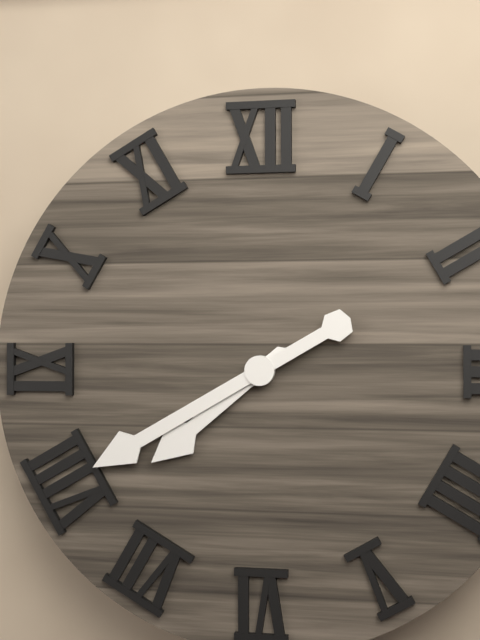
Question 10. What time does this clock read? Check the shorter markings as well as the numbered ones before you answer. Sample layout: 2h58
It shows 7h40
